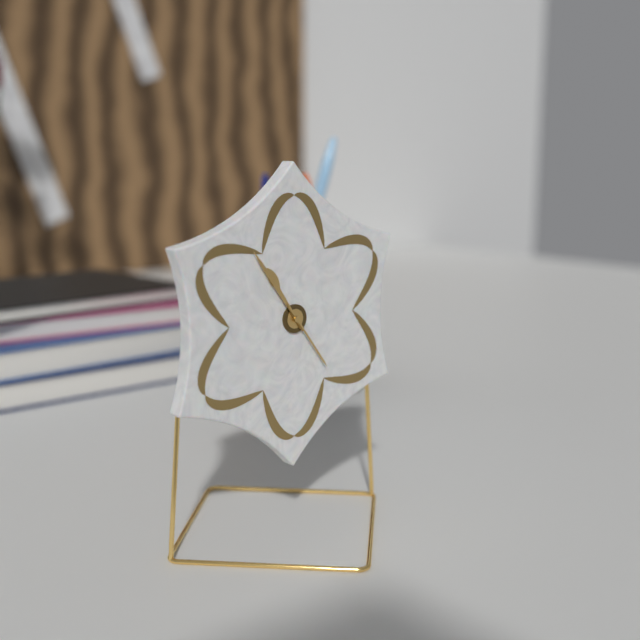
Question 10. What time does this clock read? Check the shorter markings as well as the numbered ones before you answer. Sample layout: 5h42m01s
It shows 10h54m24s
